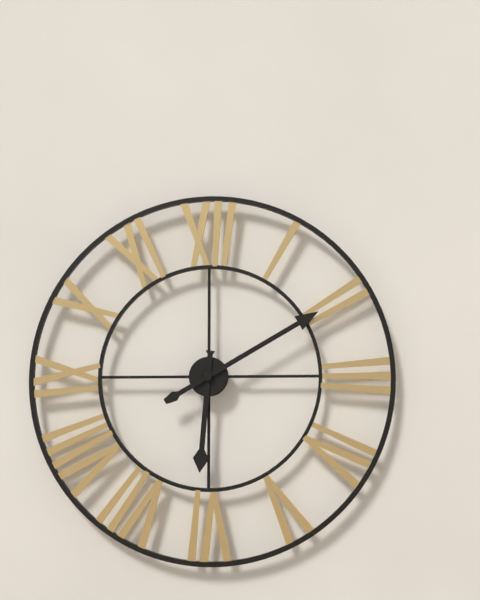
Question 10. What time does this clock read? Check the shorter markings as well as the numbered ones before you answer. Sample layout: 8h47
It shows 6h10
